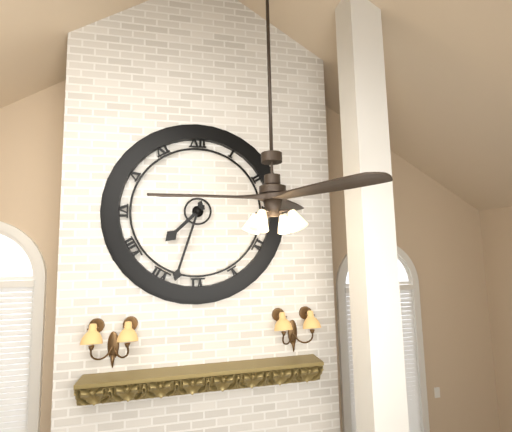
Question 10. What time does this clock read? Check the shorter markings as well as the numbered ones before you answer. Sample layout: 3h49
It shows 7h33
